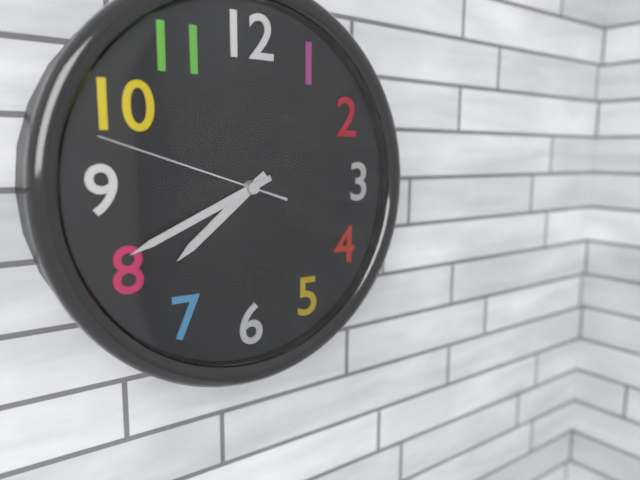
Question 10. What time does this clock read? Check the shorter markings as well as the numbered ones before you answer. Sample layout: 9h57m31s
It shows 7h41m48s
